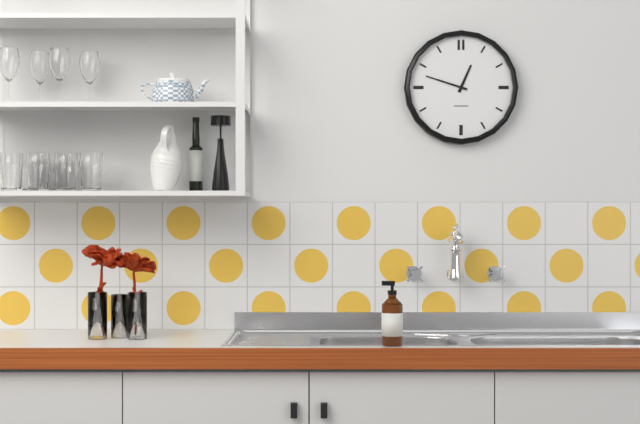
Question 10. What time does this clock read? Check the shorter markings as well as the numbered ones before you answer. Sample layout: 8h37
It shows 12h48
